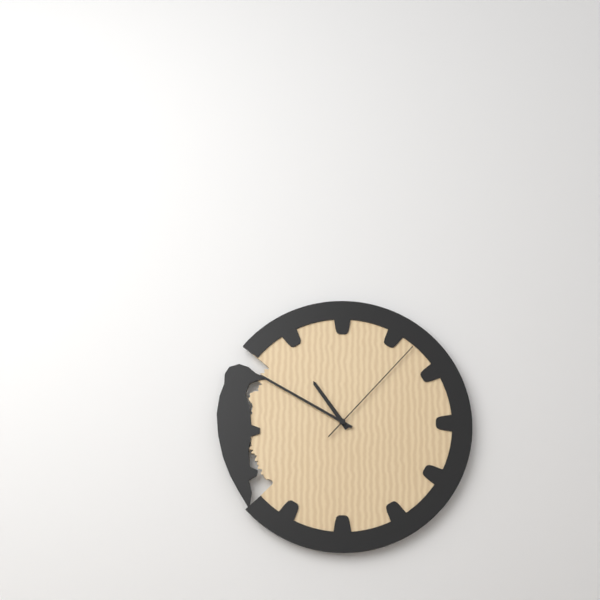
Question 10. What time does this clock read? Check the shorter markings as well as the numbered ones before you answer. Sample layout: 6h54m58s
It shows 10h50m07s
